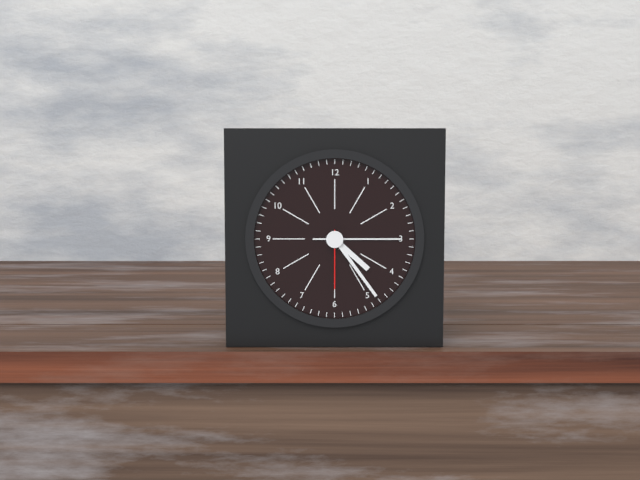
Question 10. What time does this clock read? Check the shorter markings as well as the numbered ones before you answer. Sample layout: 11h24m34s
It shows 4h24m30s
